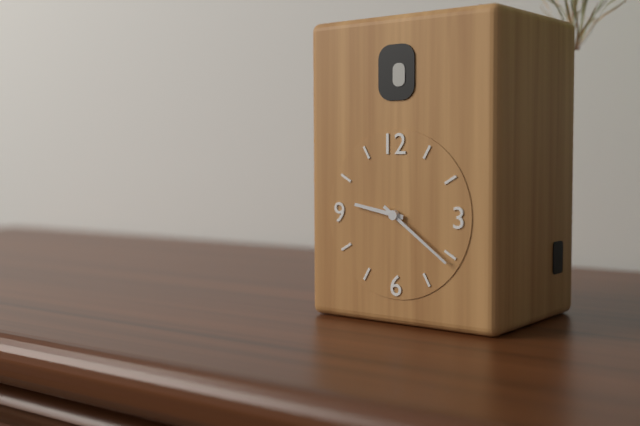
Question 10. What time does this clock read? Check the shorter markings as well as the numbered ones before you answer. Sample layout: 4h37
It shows 9h21
